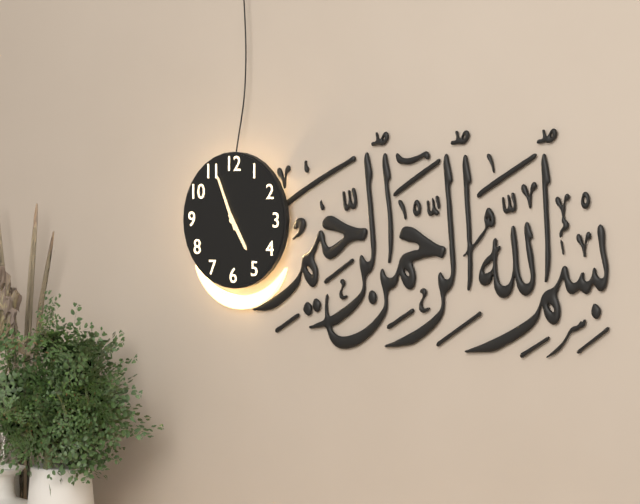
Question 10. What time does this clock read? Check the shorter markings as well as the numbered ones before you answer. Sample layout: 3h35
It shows 4h56
